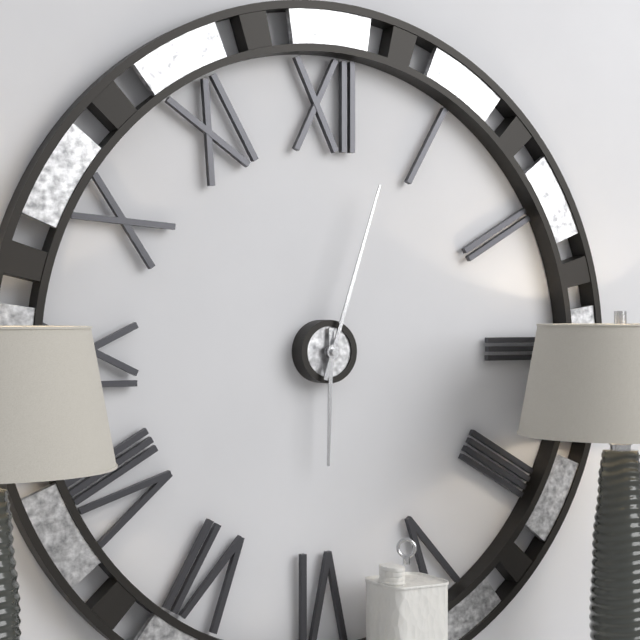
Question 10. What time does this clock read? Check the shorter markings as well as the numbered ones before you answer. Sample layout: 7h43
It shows 6h03
